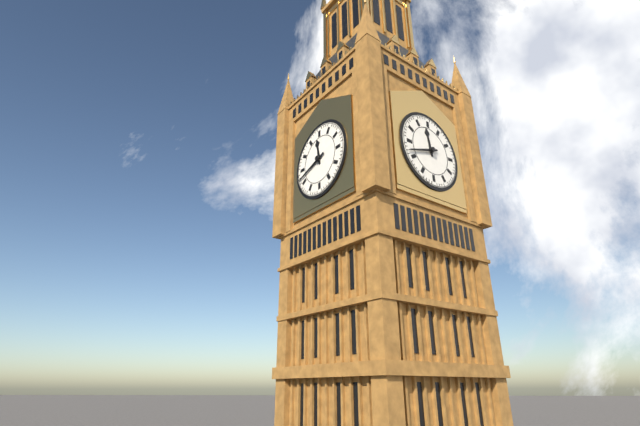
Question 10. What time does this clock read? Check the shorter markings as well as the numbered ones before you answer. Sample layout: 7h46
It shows 11h42
